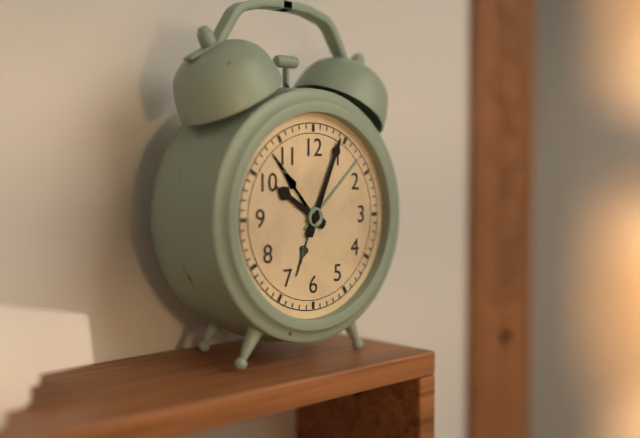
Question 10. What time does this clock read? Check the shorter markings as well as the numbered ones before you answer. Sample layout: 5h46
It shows 10h04
